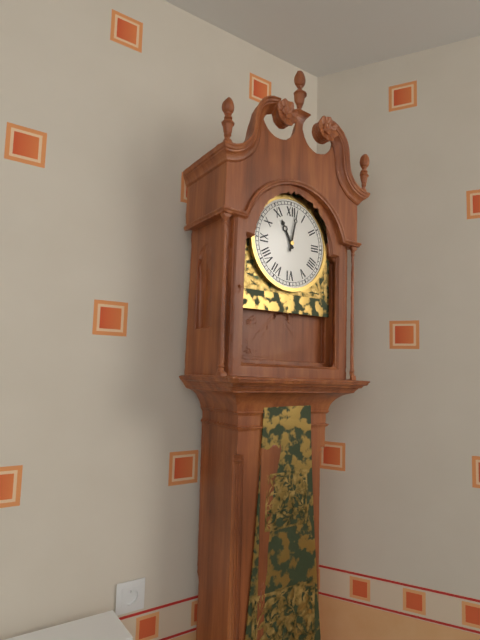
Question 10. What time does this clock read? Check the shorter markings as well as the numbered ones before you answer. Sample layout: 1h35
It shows 11h02
